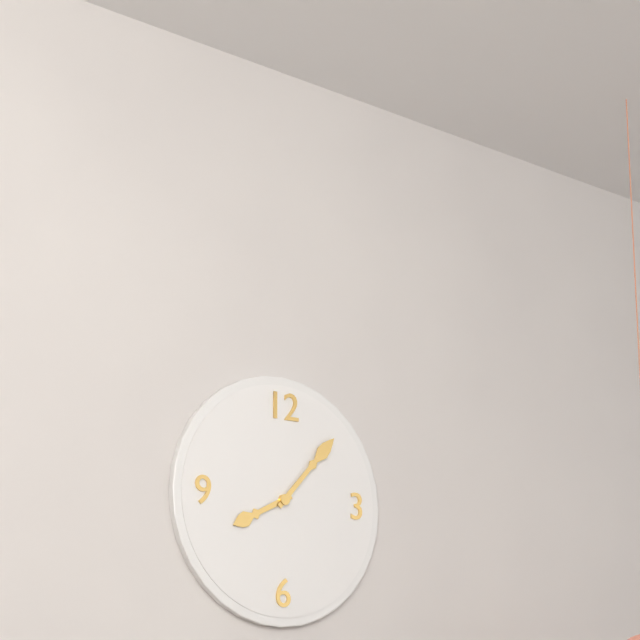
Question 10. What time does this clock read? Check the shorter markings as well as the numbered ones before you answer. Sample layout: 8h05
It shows 8h07
